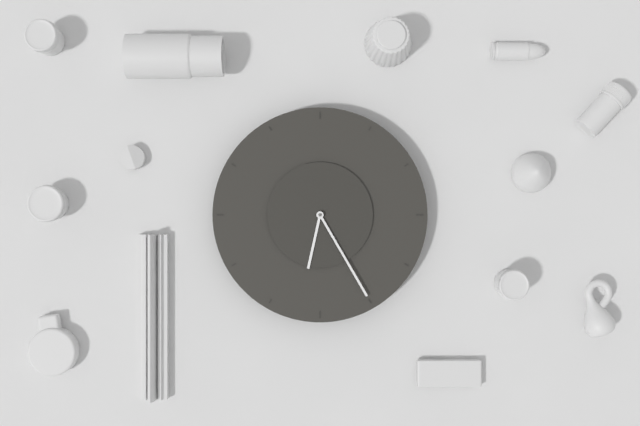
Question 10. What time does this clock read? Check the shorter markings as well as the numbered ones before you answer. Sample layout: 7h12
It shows 6h25
